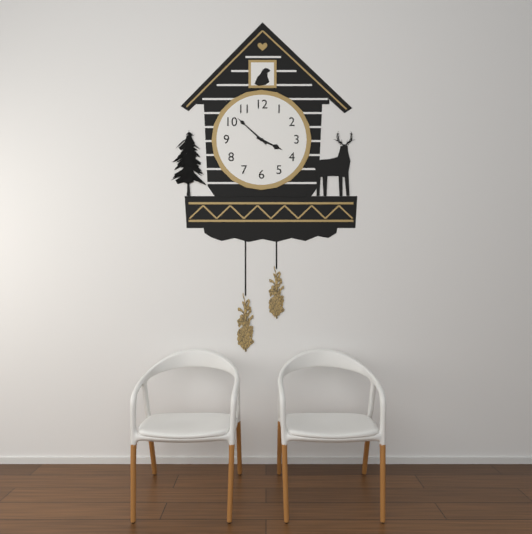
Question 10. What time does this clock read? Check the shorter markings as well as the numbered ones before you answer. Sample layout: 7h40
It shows 3h52
